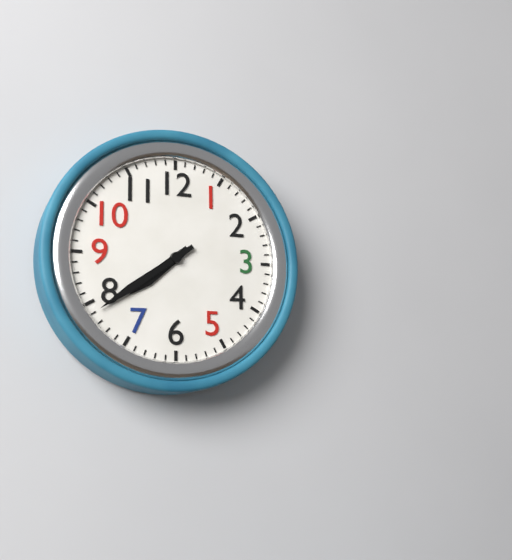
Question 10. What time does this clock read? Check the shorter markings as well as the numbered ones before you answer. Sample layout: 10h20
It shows 7h39
